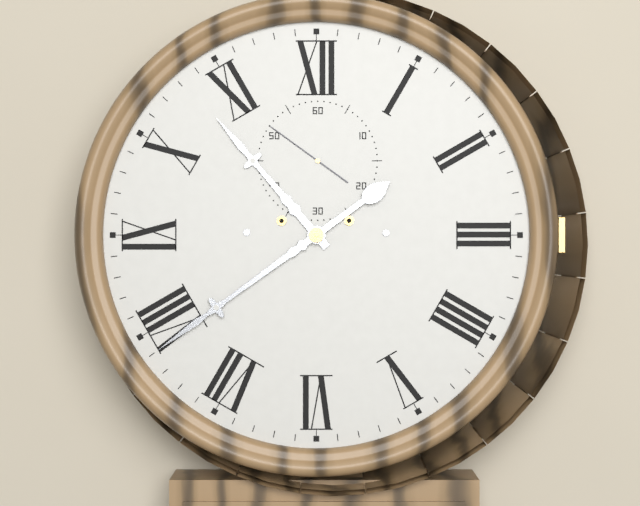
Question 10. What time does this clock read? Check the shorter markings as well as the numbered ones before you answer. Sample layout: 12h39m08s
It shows 10h39m51s
